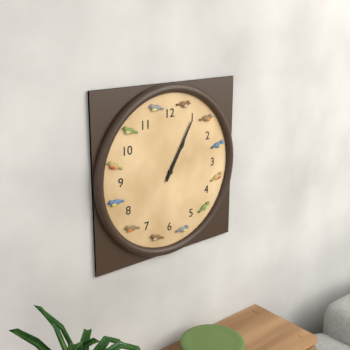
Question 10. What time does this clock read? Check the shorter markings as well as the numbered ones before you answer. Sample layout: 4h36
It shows 1h05
